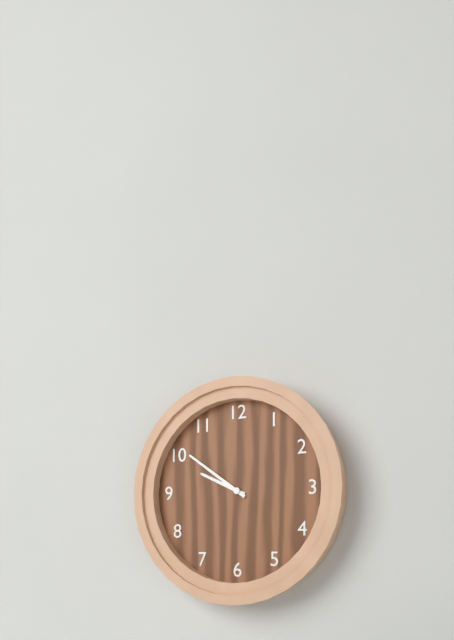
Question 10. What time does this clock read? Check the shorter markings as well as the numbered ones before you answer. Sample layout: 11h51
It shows 9h51
